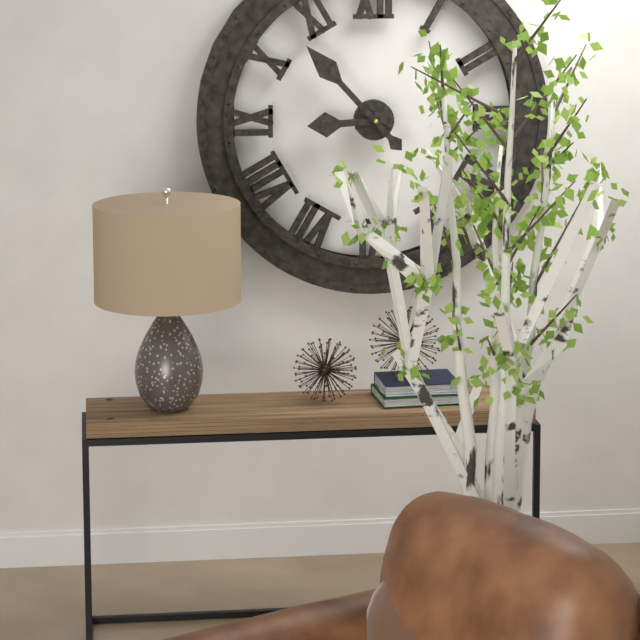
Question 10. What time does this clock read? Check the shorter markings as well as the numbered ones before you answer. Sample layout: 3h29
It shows 8h53
